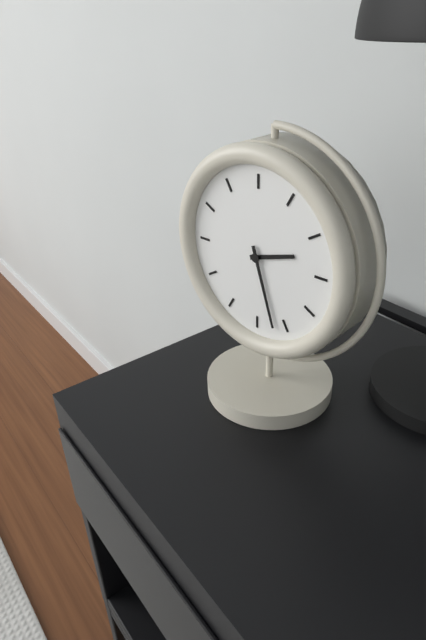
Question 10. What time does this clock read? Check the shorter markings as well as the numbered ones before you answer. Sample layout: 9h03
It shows 2h27
